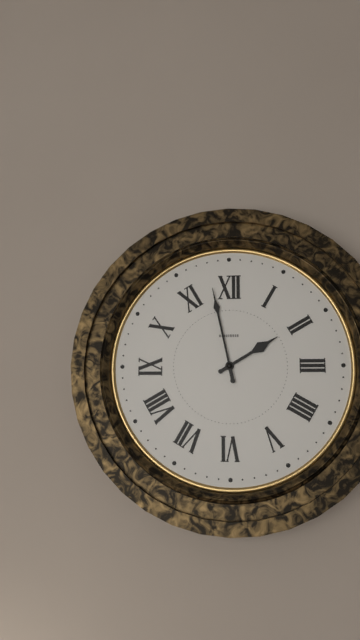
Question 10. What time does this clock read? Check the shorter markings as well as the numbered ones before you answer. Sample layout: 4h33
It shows 1h58
